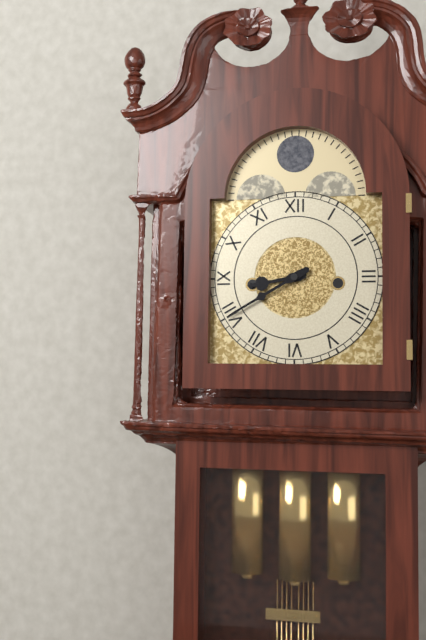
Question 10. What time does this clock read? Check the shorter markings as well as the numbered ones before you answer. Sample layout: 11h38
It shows 8h40
